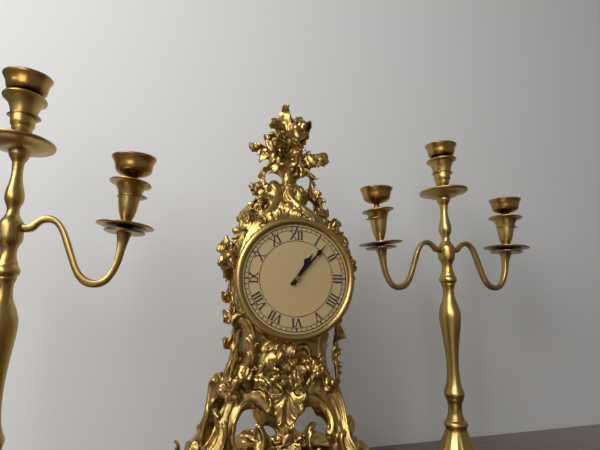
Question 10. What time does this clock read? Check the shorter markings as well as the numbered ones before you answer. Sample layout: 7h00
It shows 1h07
